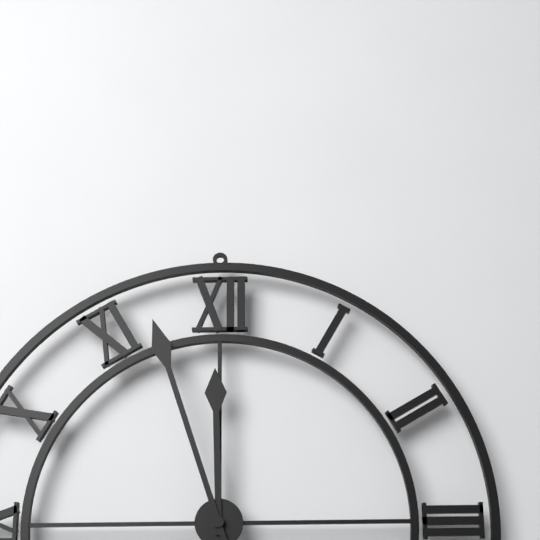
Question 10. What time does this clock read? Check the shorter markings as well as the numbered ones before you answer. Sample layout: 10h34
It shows 11h57
